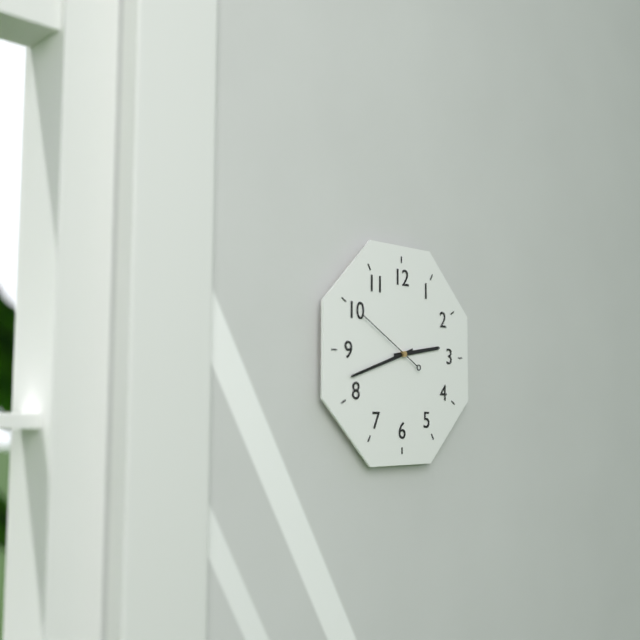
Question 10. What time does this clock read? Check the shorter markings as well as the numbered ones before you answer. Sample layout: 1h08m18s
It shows 2h42m50s
